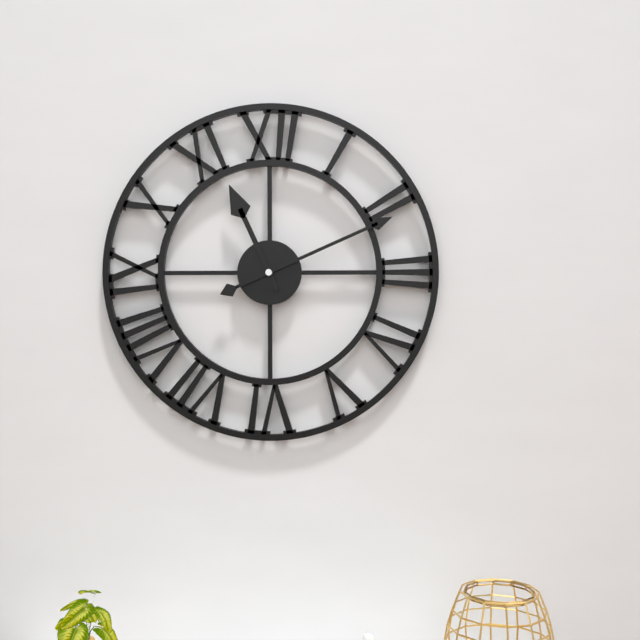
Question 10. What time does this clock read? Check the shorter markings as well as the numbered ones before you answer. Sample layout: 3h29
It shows 11h11
